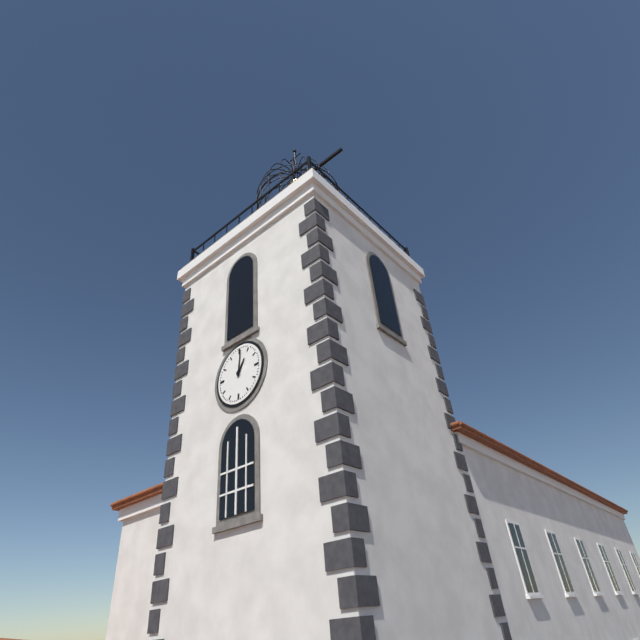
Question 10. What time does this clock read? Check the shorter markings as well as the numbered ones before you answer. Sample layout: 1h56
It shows 1h01
